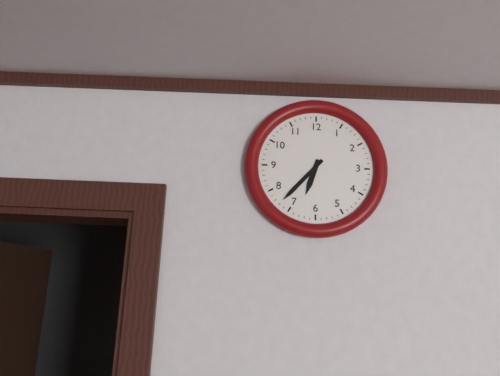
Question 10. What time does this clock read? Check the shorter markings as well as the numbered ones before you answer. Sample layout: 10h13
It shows 6h37
